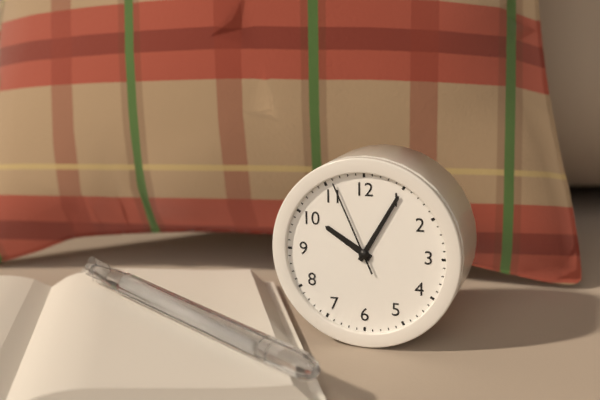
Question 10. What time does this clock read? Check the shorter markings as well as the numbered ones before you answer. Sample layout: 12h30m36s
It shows 10h05m56s
